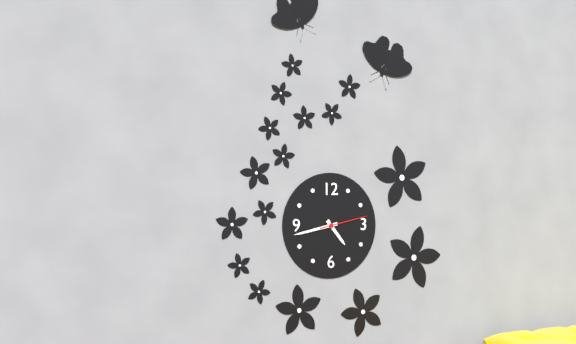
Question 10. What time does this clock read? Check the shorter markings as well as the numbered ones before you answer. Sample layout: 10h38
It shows 4h43
